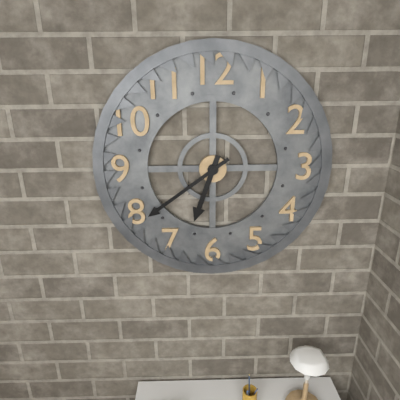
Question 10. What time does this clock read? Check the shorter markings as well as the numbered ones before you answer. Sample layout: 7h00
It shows 6h39
